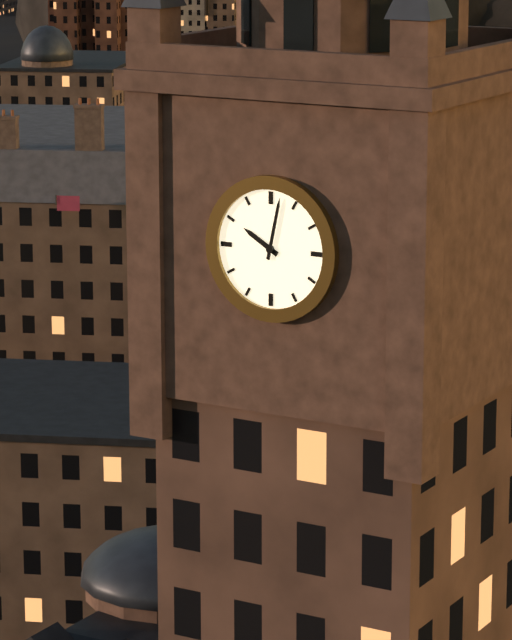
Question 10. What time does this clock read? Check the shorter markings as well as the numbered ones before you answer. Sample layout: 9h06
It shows 10h02
